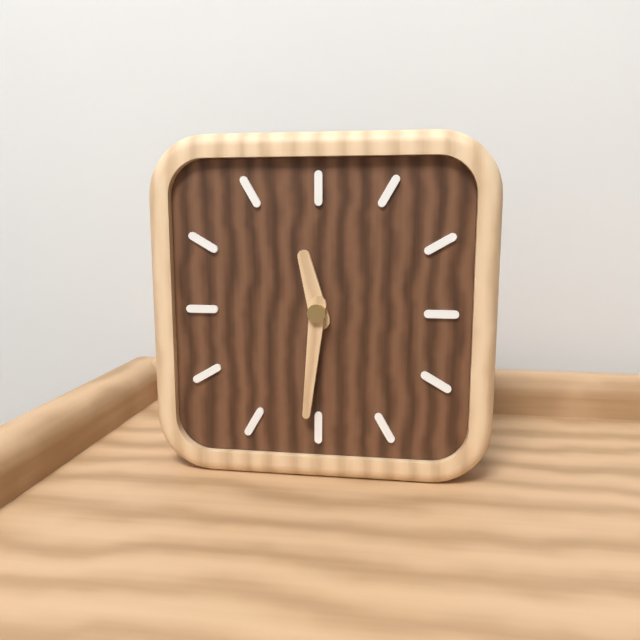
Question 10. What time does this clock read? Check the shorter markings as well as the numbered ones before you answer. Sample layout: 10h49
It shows 11h31
